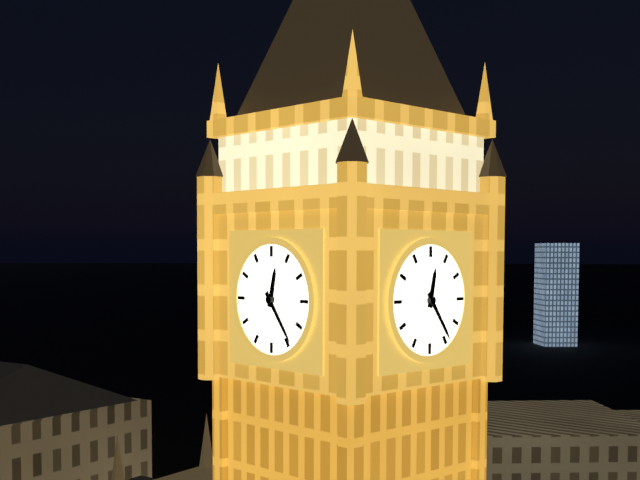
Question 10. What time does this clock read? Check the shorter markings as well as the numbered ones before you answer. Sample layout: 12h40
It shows 12h24
